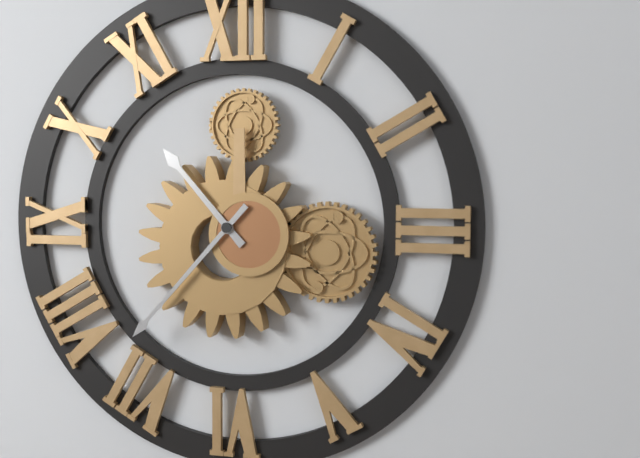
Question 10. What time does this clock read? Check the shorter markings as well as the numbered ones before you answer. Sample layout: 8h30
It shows 10h37
